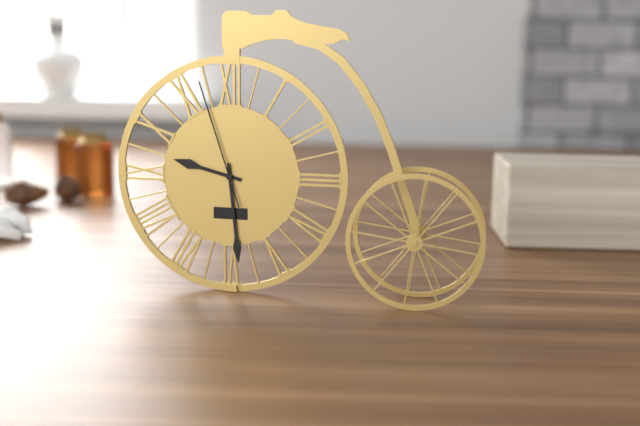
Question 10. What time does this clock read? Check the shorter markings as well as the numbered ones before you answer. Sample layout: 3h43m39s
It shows 9h29m57s
